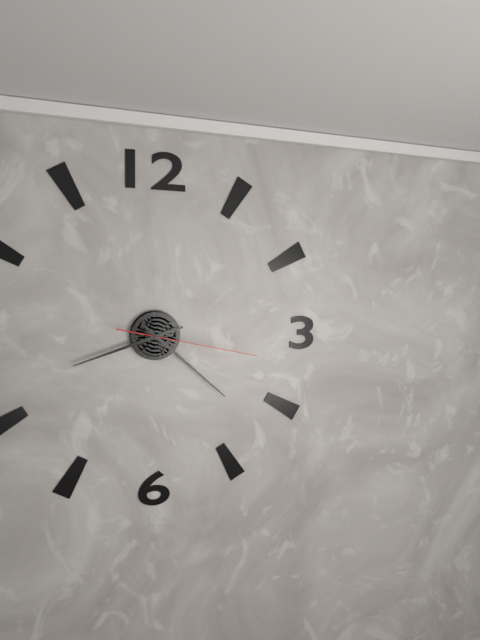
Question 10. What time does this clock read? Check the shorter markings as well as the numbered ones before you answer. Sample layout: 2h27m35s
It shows 8h22m17s
